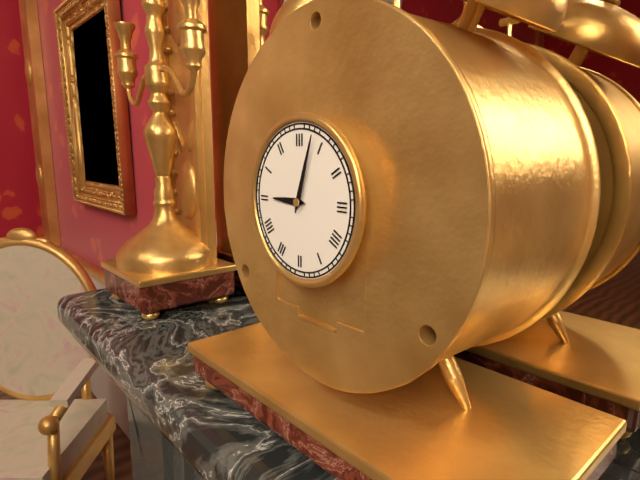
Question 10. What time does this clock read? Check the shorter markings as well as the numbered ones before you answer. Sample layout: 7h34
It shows 9h03
